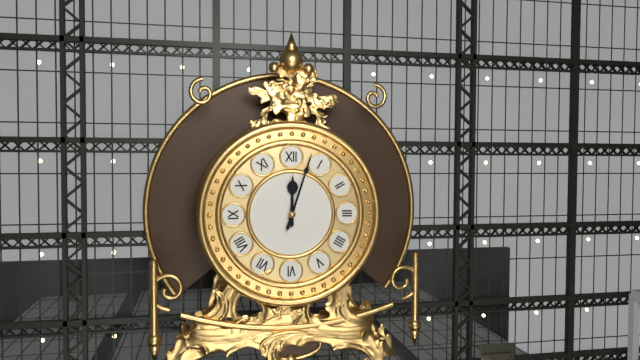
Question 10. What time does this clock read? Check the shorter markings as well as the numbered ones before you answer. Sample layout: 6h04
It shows 12h03
